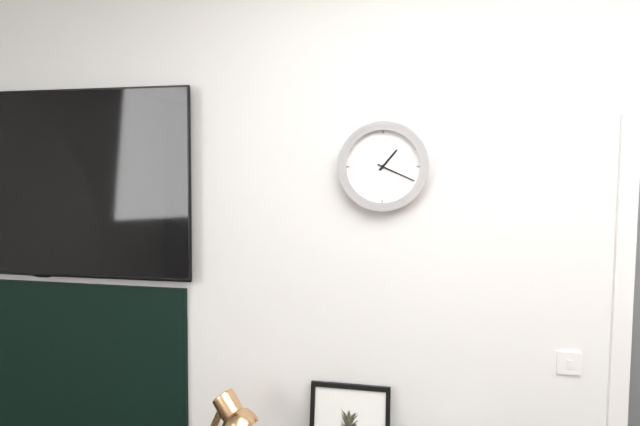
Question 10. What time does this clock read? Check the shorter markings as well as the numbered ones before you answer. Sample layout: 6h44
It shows 1h19
